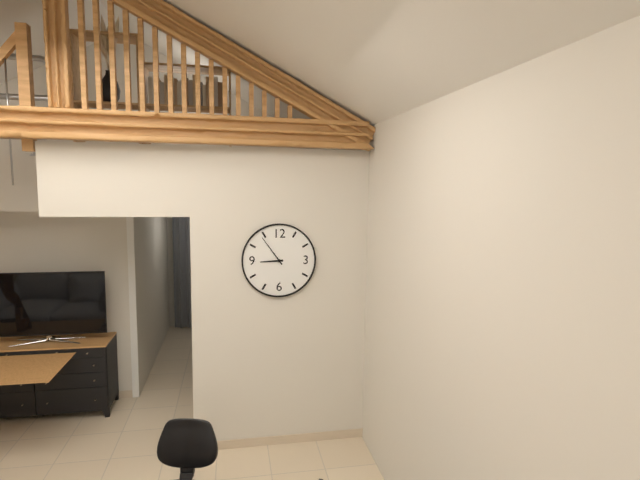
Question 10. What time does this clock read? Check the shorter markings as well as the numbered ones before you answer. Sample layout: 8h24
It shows 8h54
